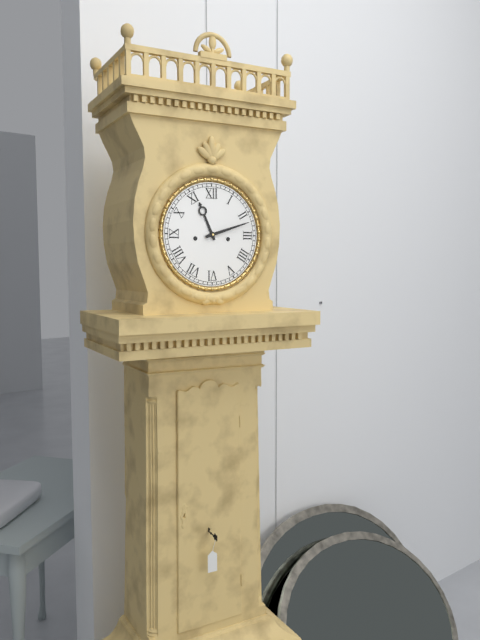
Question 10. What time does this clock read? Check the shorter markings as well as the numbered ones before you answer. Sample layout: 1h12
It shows 11h12
